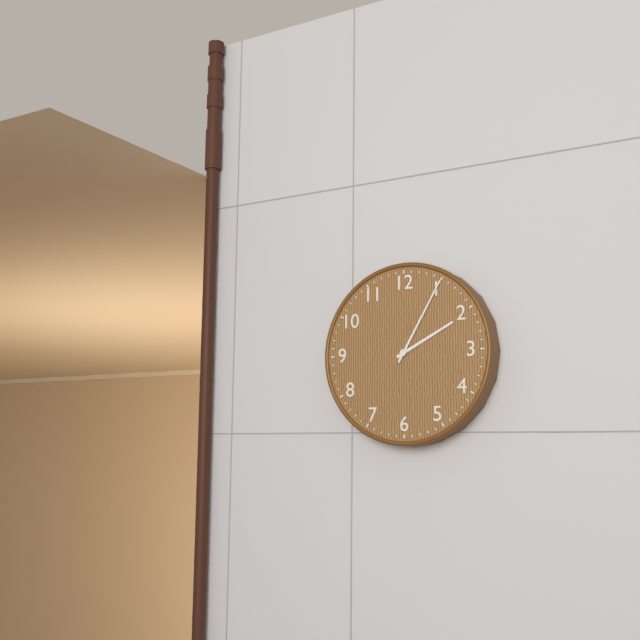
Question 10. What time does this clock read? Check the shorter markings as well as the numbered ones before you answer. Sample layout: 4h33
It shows 2h05
